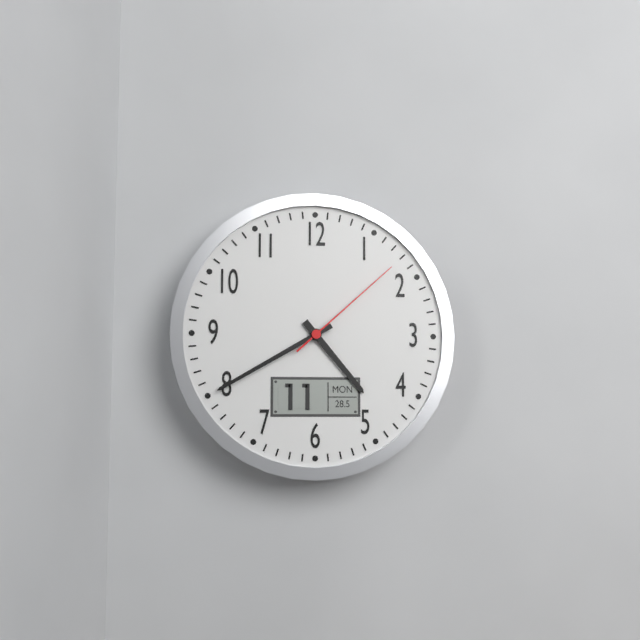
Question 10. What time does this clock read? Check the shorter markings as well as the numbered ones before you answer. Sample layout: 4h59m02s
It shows 4h40m08s
